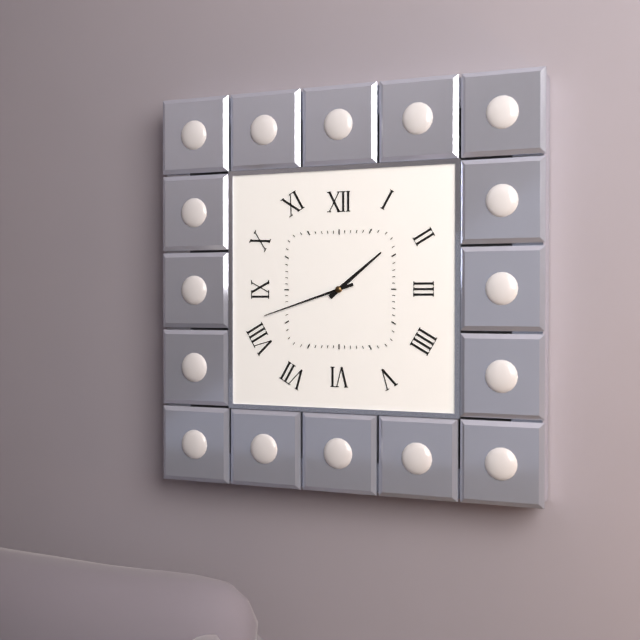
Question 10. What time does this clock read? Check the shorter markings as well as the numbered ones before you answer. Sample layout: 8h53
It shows 1h42
